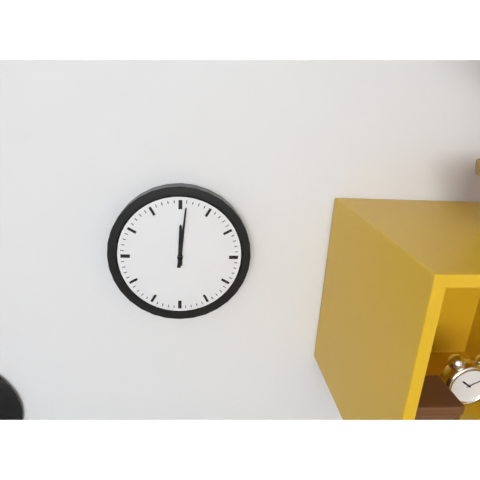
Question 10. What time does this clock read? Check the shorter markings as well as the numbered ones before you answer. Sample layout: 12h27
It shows 12h01
